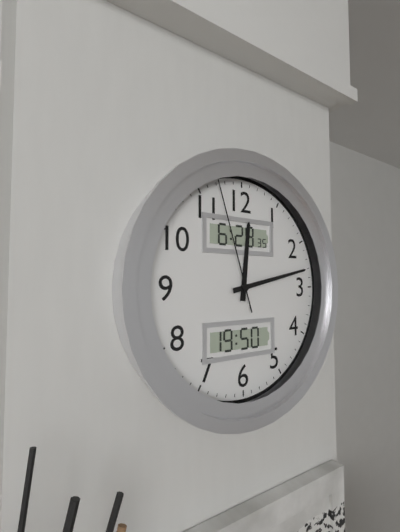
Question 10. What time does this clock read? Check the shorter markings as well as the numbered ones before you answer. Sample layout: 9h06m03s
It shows 12h13m57s
